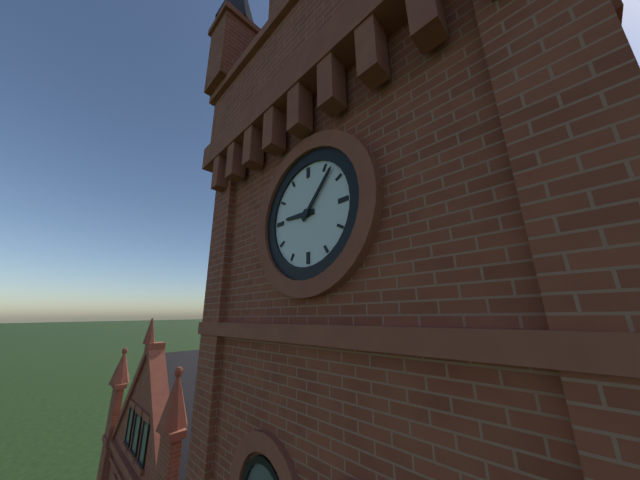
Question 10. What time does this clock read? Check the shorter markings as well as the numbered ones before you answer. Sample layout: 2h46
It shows 9h07
